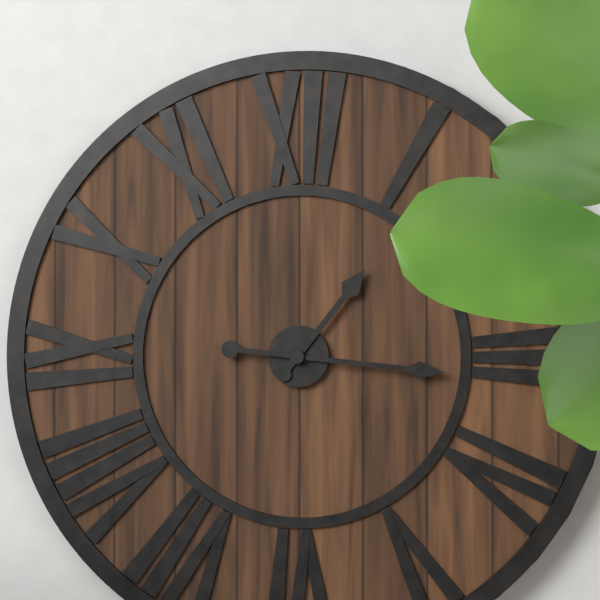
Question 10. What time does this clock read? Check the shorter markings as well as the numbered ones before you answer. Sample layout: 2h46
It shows 1h16
